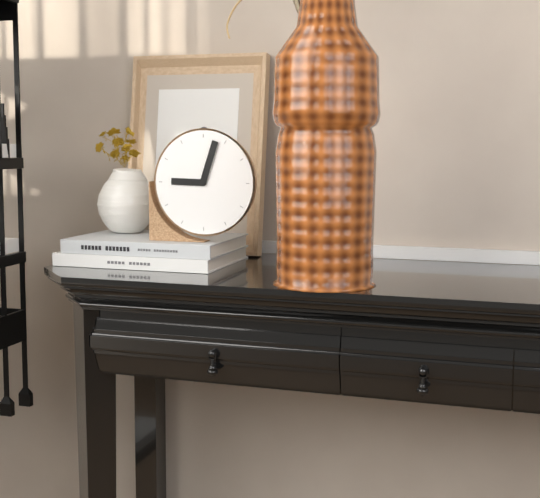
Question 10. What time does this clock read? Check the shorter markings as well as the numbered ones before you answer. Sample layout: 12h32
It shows 9h03
